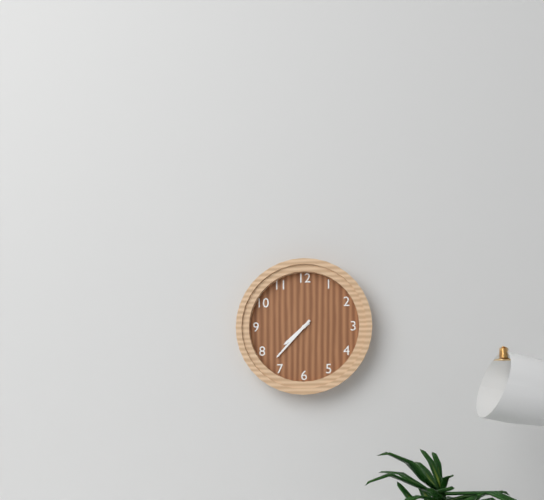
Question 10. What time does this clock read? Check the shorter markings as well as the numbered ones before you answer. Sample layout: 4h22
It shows 7h37
